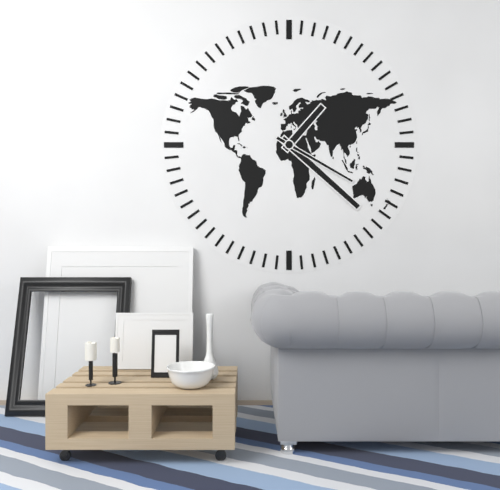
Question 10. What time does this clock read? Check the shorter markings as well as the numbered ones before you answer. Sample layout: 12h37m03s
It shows 1h22m20s
